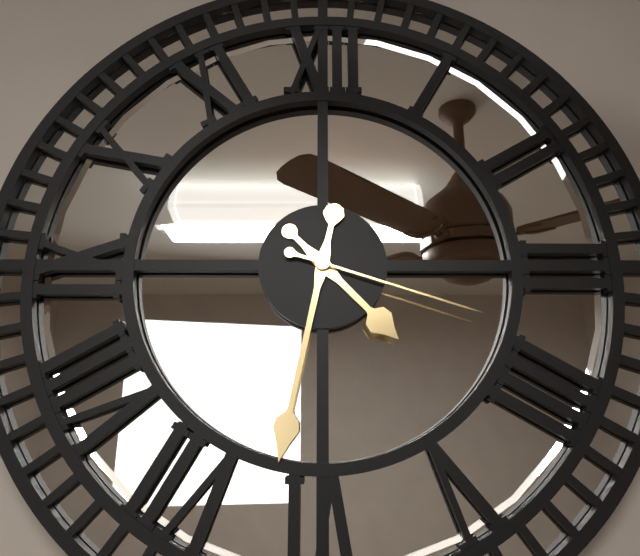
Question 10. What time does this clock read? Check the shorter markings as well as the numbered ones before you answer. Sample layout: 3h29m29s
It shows 4h32m18s
